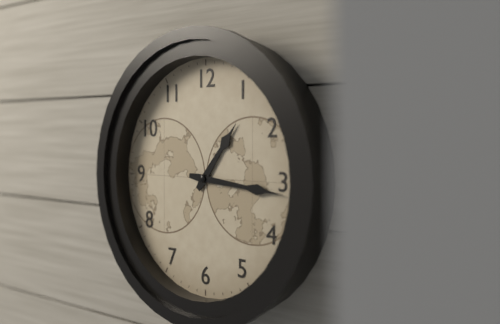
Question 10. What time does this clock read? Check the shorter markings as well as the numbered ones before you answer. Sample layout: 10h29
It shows 1h16
